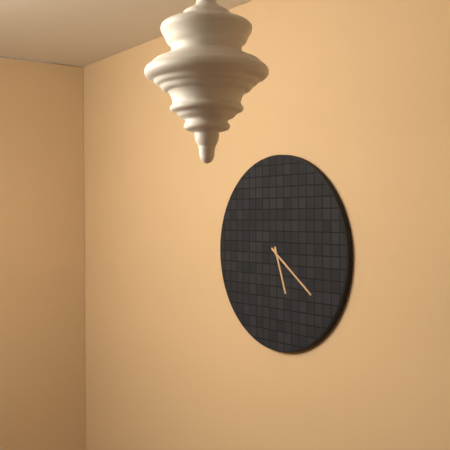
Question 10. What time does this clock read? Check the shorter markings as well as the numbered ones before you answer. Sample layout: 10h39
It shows 5h21
